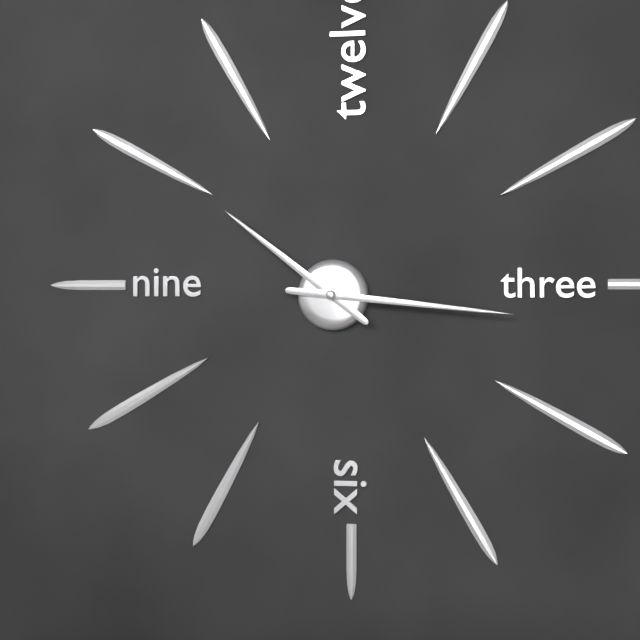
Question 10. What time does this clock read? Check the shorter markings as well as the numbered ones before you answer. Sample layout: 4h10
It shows 10h16
